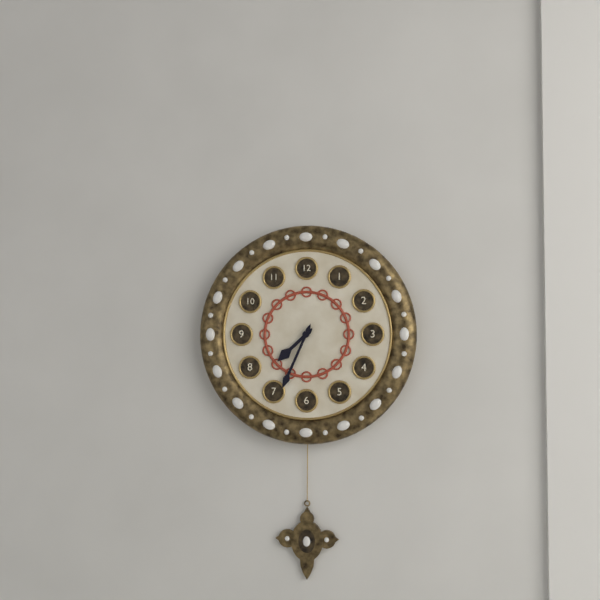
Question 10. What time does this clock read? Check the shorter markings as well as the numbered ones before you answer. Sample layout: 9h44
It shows 7h34
